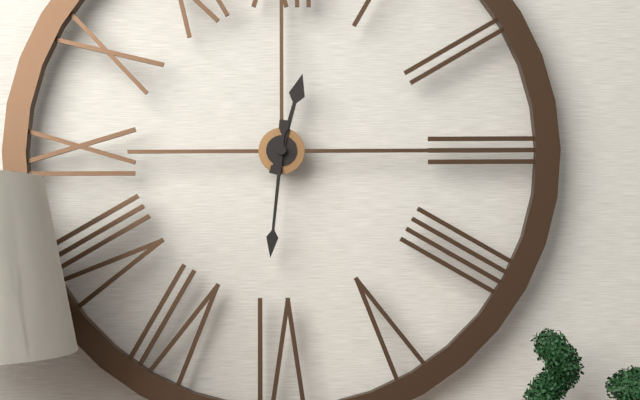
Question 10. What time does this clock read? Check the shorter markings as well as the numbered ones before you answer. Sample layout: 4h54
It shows 12h31
